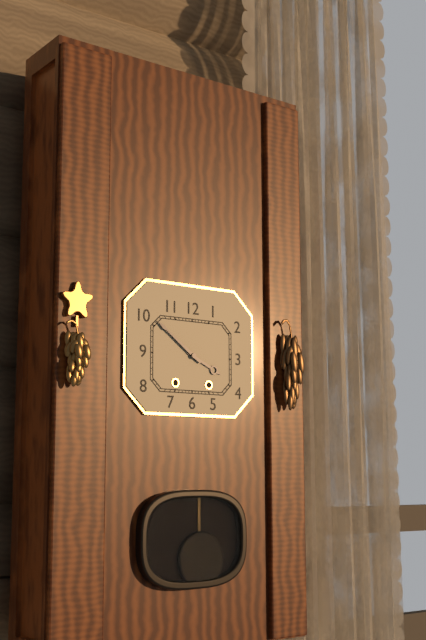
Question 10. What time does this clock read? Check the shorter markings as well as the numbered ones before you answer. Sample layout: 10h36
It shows 3h51
